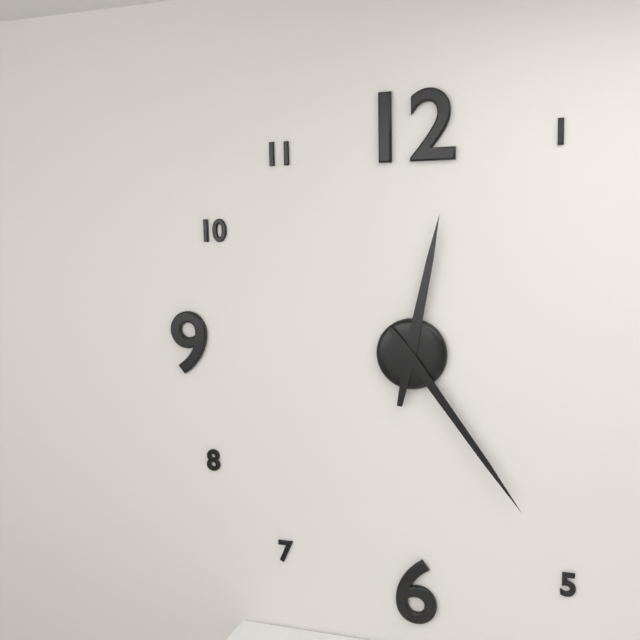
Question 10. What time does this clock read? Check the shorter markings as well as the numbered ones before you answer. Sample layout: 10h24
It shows 12h24
